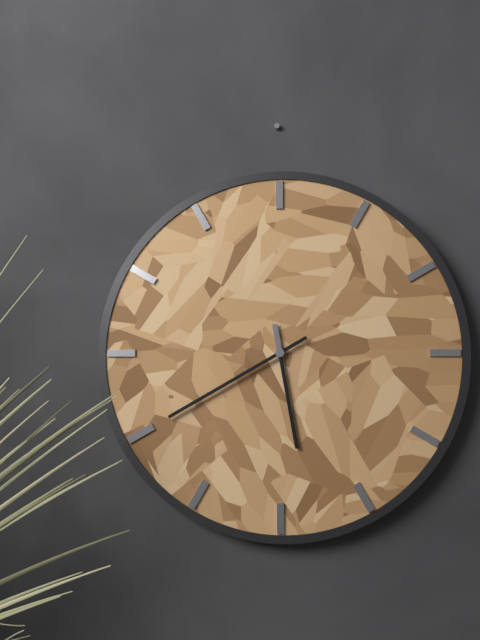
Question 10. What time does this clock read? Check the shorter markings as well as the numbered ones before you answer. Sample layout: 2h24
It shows 5h40
